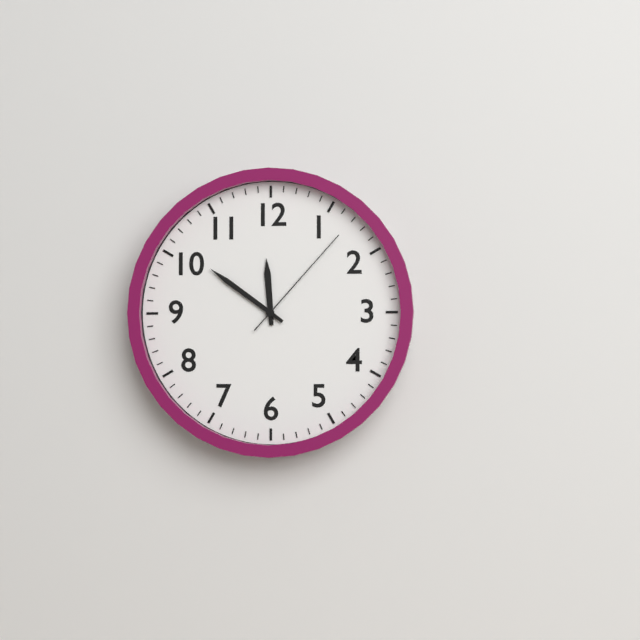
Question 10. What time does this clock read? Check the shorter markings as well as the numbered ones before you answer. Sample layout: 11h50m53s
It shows 11h51m07s
